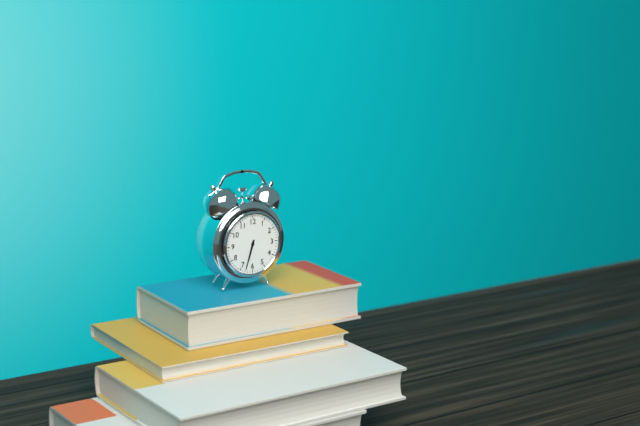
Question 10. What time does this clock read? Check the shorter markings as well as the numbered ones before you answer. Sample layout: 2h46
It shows 6h33
